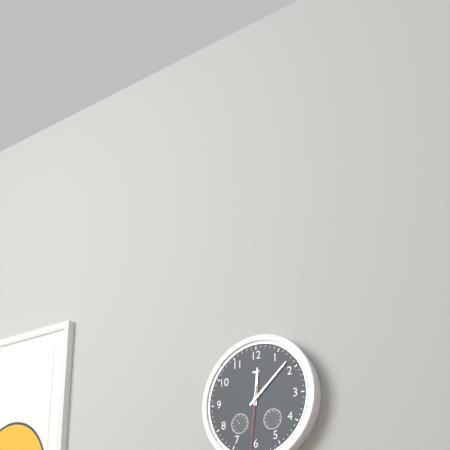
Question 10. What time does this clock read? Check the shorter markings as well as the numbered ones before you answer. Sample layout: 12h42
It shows 12h08
